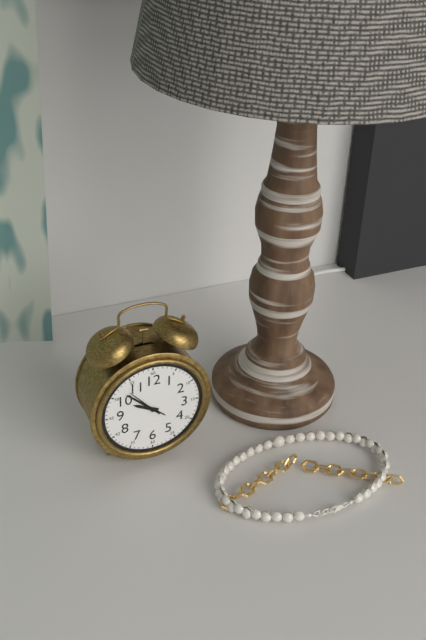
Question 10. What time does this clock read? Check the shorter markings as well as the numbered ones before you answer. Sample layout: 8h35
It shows 9h52
